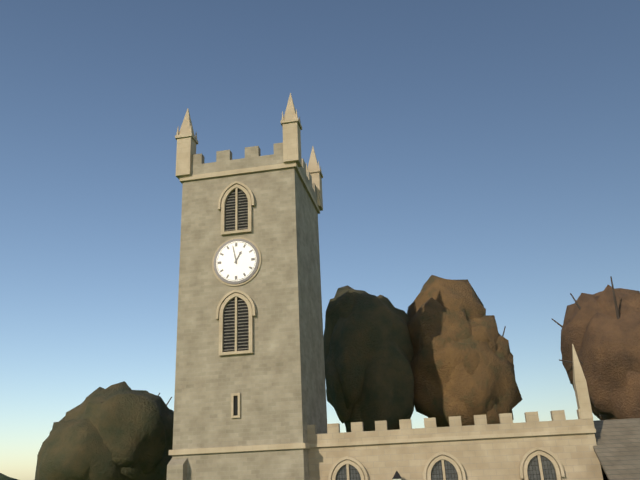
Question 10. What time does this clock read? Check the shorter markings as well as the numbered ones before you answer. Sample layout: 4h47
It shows 12h58
